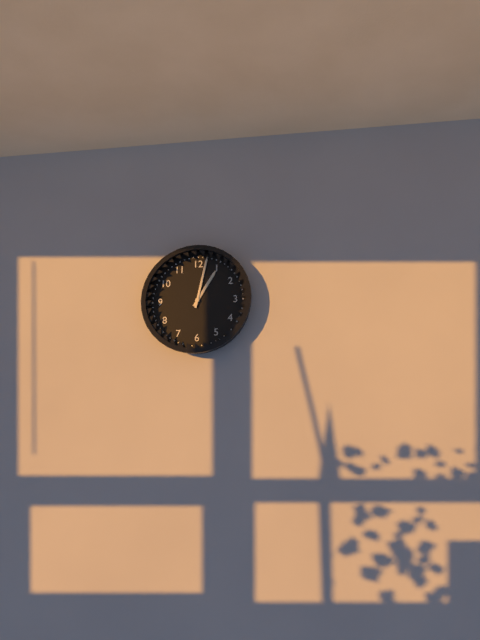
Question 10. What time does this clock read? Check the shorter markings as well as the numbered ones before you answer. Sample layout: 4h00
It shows 1h02
